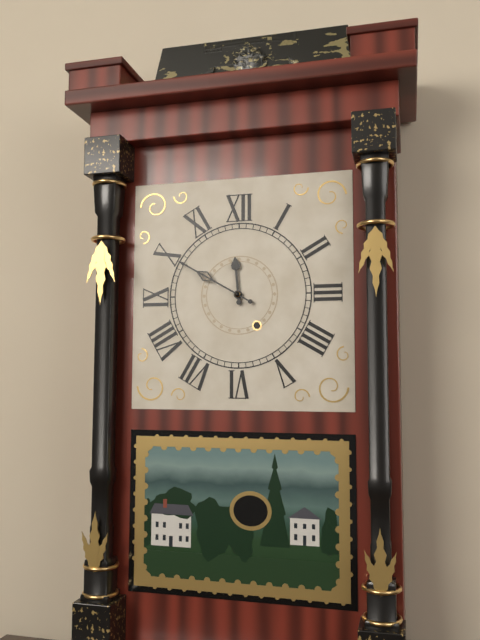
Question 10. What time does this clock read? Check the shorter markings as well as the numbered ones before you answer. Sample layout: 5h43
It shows 11h50
